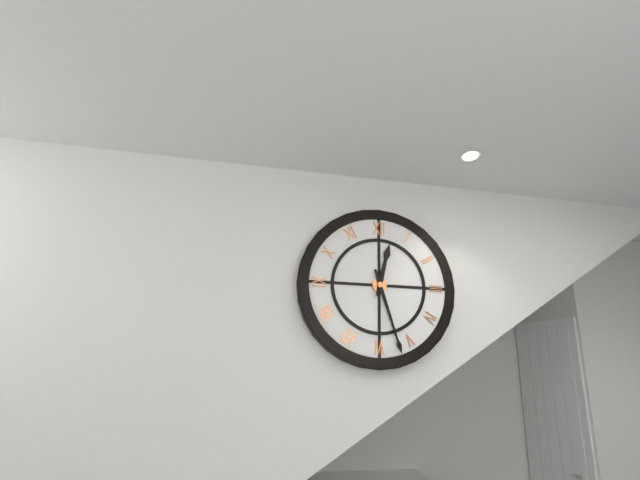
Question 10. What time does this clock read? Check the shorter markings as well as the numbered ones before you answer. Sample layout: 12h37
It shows 12h27
